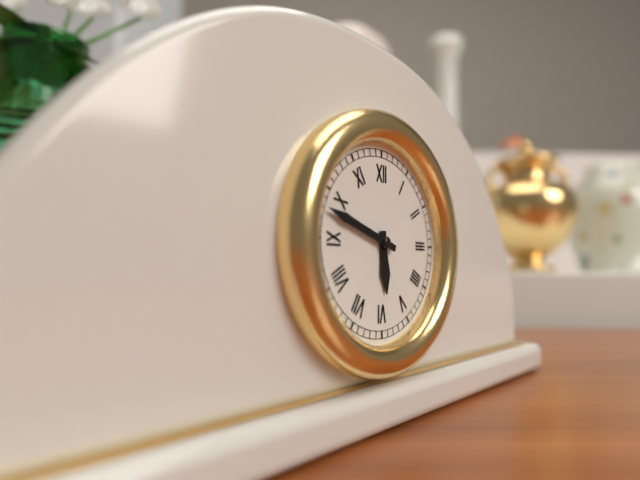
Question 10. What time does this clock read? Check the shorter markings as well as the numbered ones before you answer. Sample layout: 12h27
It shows 5h48
